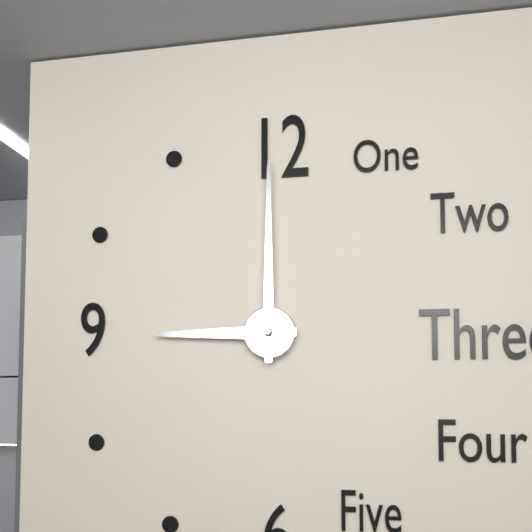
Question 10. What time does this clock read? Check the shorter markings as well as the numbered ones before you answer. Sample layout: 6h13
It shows 9h00
